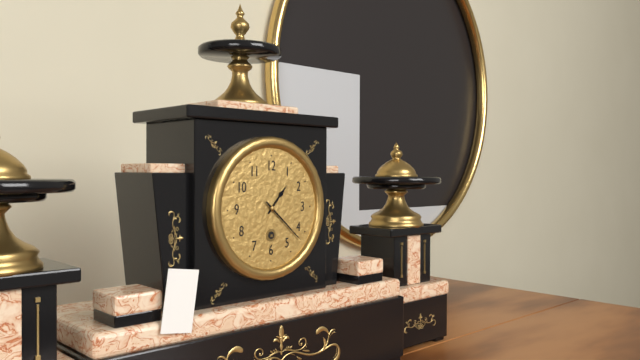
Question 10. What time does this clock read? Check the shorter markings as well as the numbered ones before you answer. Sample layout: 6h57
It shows 1h22
